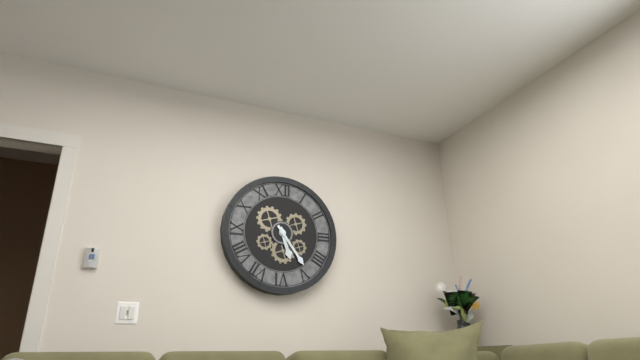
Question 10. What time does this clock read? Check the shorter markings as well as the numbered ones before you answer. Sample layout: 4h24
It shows 5h24
